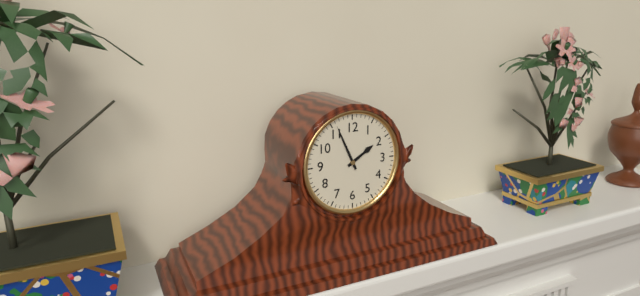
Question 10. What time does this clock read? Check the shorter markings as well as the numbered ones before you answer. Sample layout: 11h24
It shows 1h56
